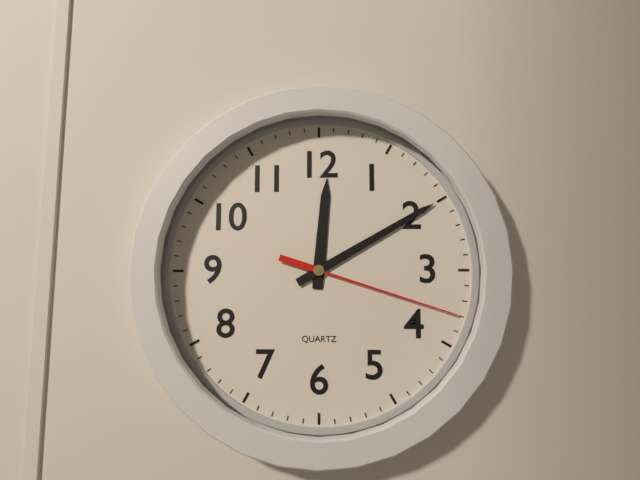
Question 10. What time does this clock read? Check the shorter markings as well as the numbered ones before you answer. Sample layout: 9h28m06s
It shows 12h10m18s
